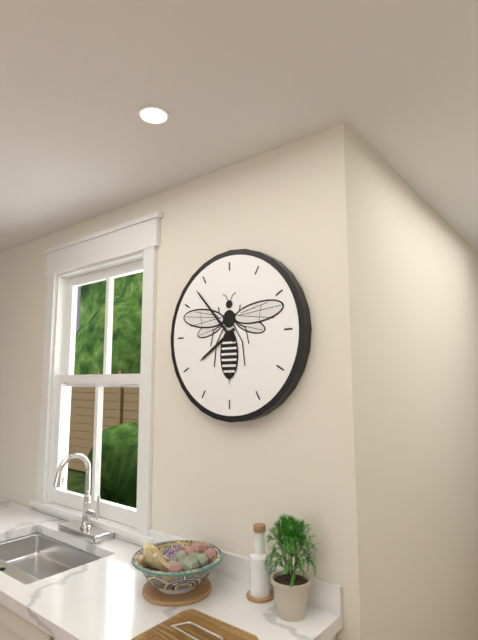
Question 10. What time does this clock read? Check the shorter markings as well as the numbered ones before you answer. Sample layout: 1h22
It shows 7h53
